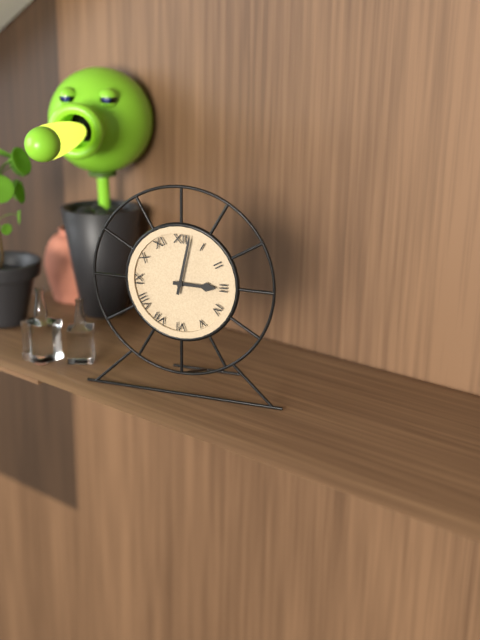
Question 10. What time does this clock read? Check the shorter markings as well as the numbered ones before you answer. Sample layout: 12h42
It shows 3h02
